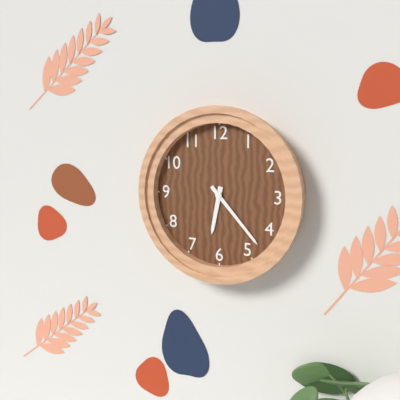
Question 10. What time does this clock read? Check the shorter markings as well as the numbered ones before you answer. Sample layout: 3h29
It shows 6h23
